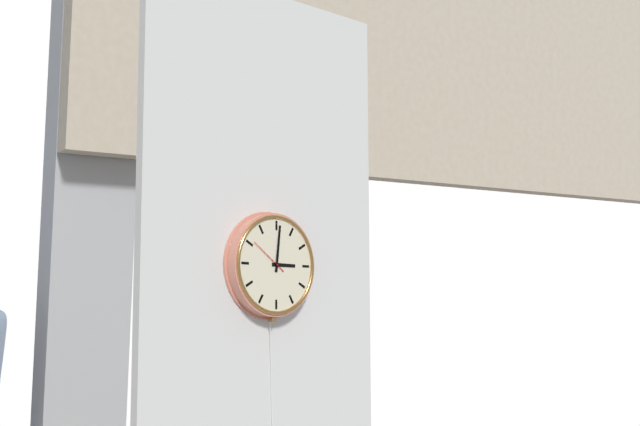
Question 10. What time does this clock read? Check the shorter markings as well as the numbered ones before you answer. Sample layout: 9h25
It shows 3h01
